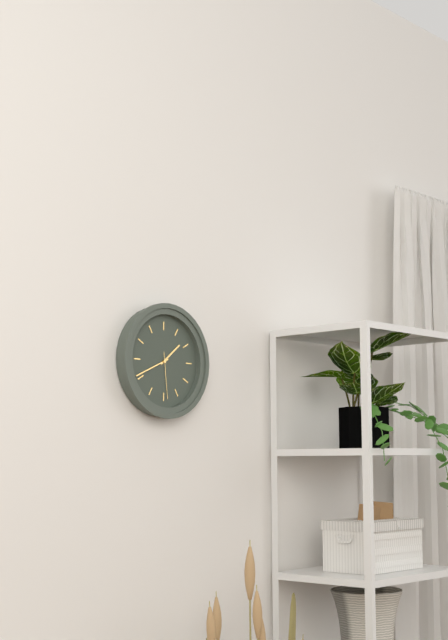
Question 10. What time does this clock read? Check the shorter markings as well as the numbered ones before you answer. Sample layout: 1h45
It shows 1h41
